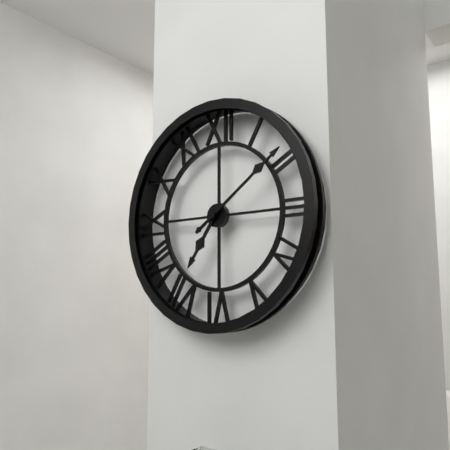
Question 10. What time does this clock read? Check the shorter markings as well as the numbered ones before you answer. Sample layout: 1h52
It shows 7h09
